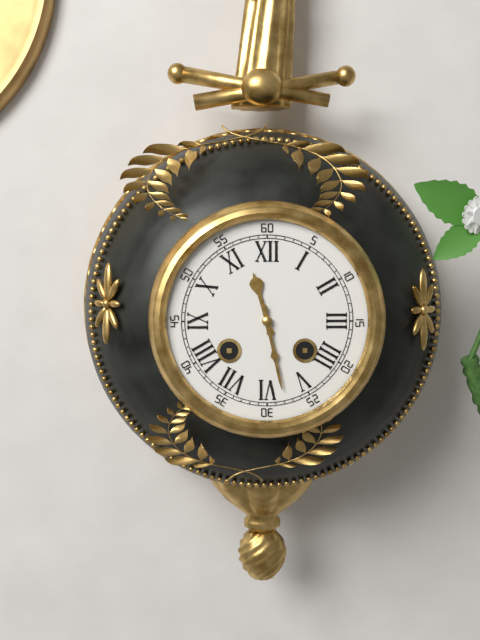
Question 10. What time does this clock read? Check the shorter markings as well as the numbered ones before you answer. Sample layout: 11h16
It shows 11h28
